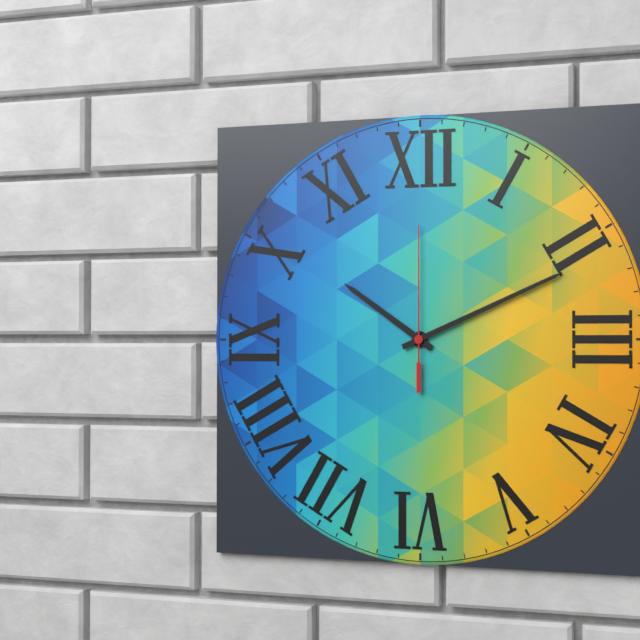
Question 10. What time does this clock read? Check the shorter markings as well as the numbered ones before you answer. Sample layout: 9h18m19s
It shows 10h11m00s
